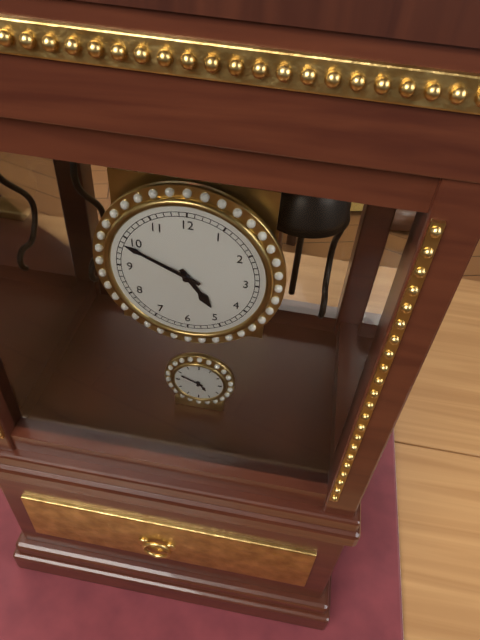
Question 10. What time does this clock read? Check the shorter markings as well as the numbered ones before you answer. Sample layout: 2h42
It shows 4h49
